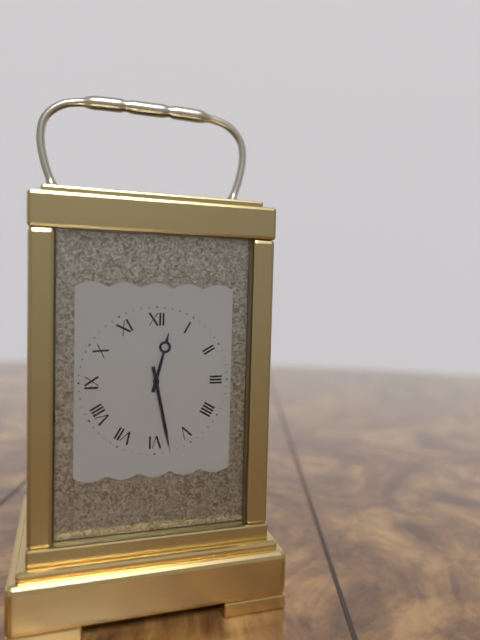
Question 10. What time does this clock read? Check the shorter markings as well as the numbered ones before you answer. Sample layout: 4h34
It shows 12h28
